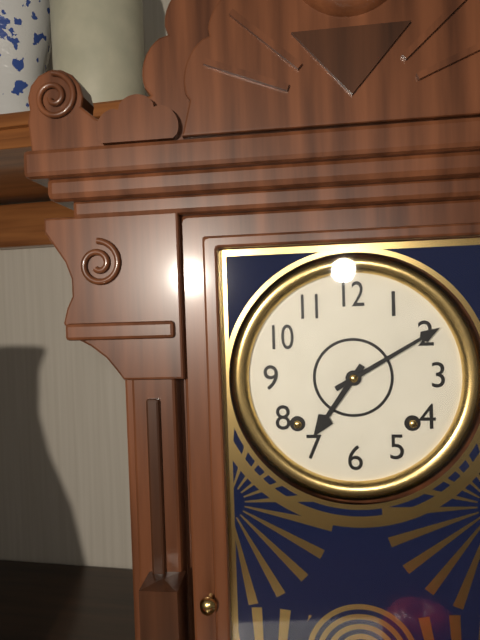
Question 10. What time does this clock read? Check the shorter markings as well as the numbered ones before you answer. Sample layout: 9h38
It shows 7h10
